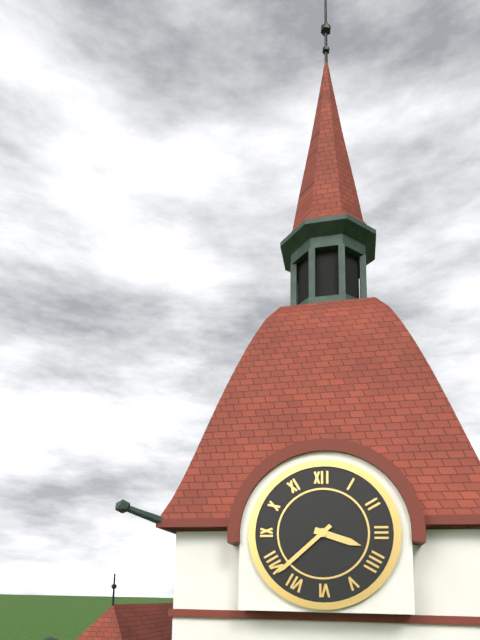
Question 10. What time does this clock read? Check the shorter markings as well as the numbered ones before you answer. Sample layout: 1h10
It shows 3h38
